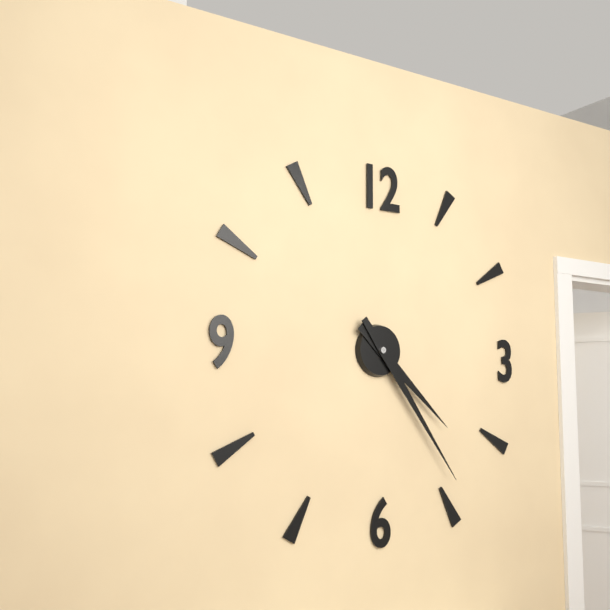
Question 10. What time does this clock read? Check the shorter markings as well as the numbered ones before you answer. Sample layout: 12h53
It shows 4h24
